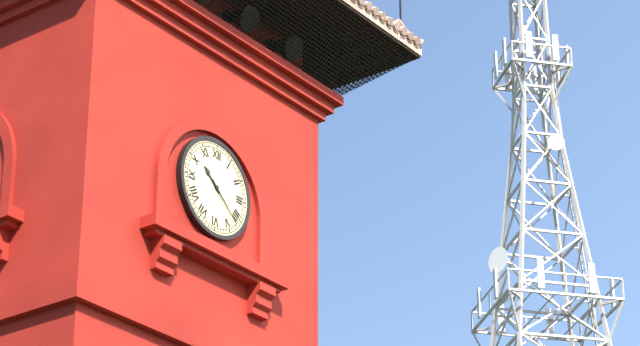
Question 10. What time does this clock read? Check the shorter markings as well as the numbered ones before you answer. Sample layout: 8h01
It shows 10h22
